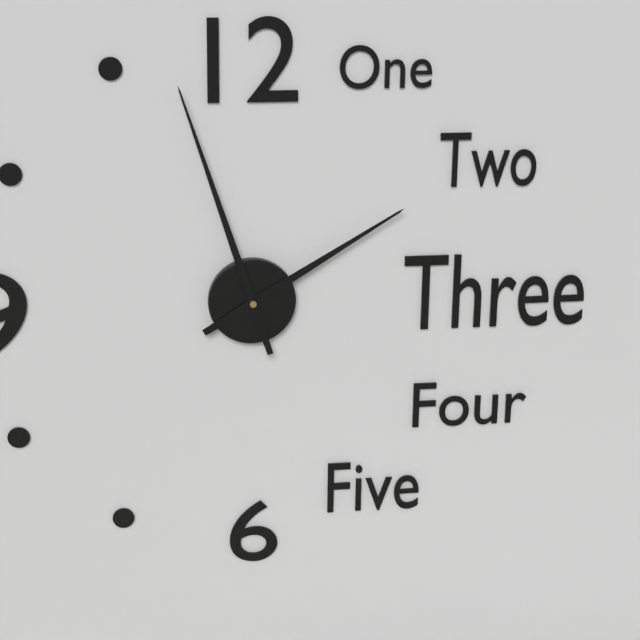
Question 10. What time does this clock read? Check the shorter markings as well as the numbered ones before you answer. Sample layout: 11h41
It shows 1h57
